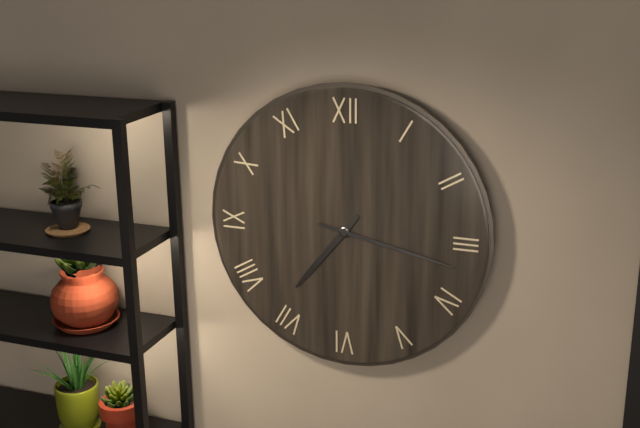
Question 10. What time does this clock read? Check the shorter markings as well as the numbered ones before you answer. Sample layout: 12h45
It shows 7h17
